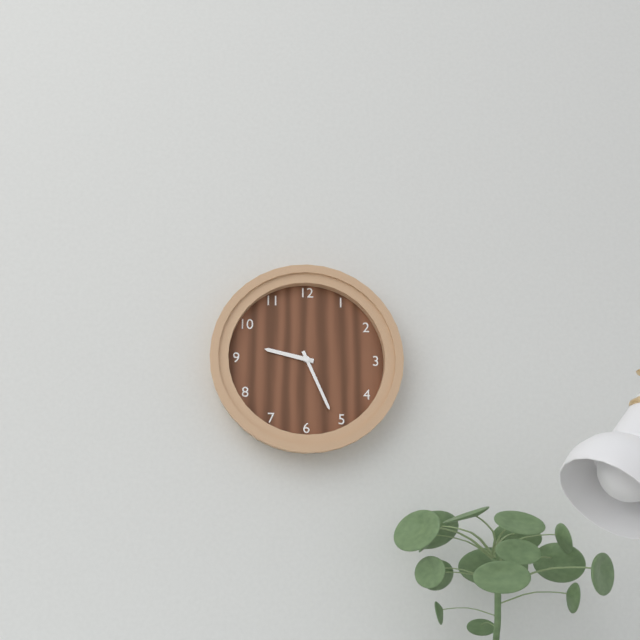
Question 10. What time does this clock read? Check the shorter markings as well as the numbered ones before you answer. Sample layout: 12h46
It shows 9h26
